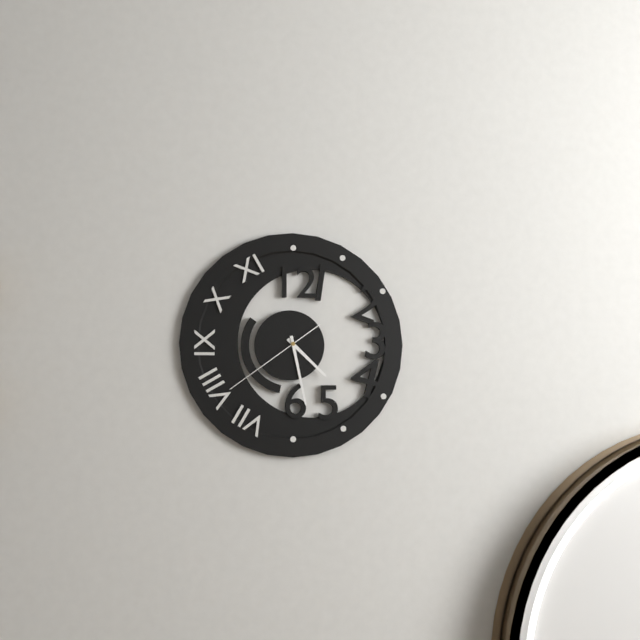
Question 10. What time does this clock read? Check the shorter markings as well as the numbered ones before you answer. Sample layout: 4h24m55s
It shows 4h28m39s
